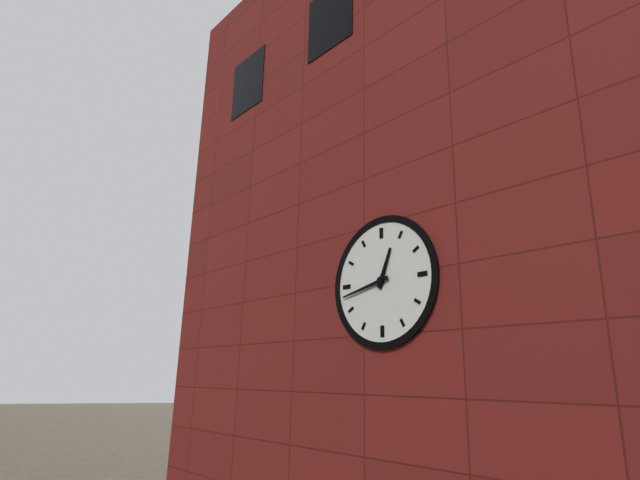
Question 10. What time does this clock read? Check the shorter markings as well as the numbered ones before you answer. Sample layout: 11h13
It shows 12h43
